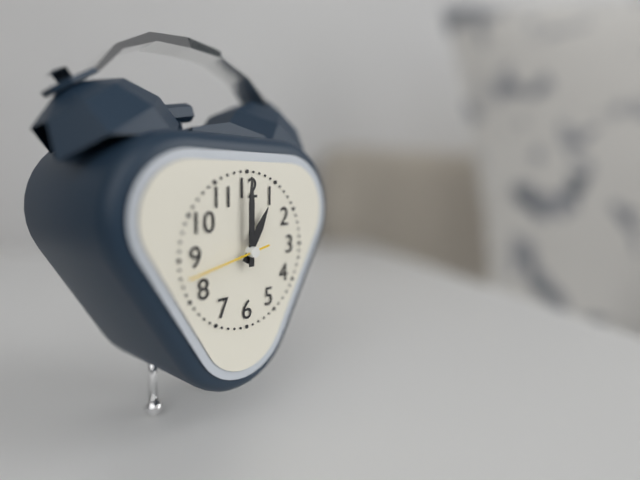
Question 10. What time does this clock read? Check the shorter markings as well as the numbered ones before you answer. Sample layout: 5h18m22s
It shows 1h00m43s
